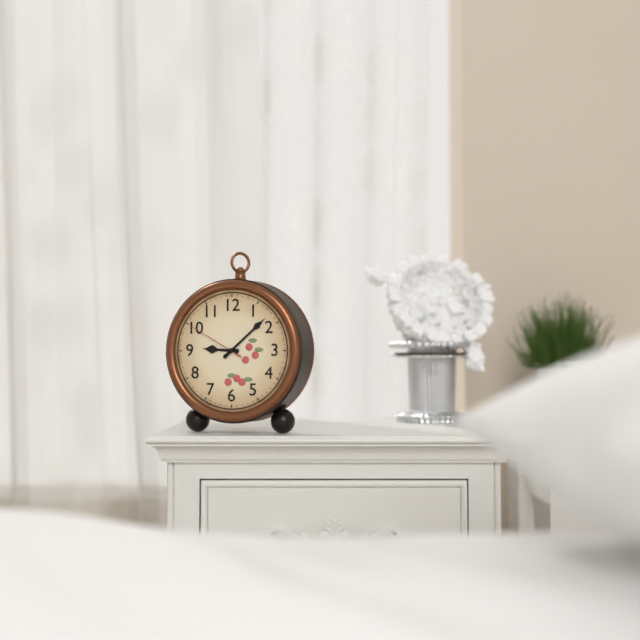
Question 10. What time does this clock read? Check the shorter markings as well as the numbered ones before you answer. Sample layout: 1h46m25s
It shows 9h08m50s
